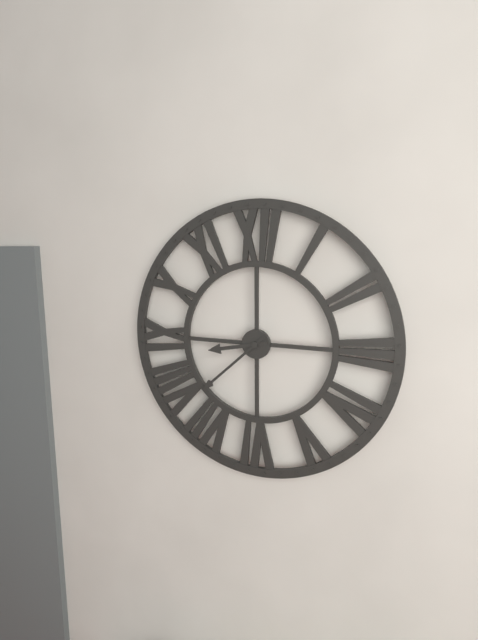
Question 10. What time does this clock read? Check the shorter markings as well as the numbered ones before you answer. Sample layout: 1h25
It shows 8h38
